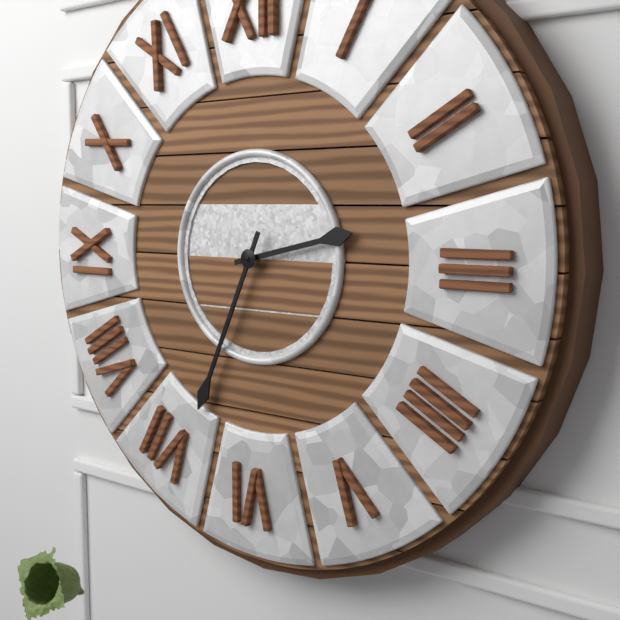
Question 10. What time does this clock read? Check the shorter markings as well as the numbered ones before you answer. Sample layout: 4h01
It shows 2h34
